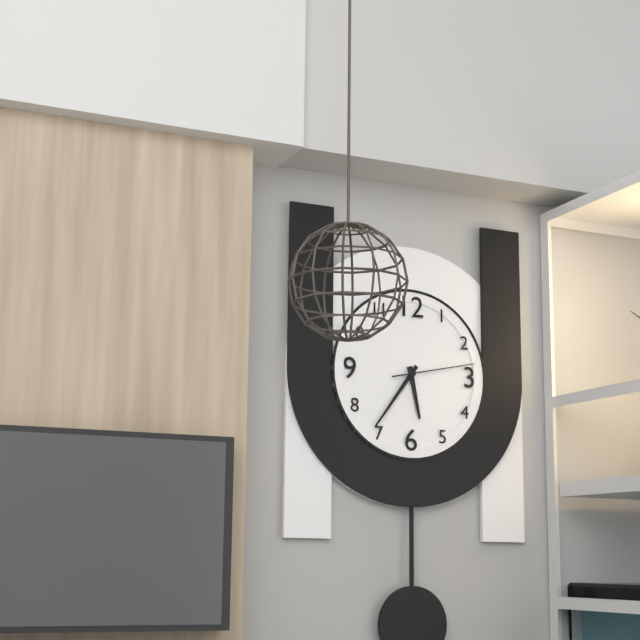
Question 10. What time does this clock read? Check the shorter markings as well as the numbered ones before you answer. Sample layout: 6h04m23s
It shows 5h36m13s
